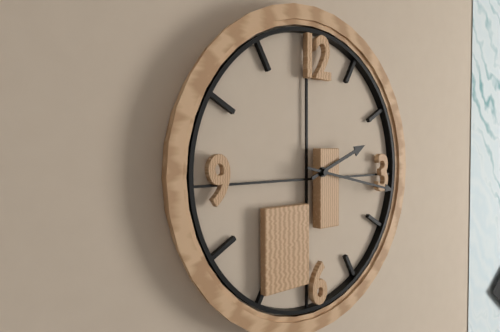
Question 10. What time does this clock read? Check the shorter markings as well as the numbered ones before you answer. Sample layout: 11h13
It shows 2h17
